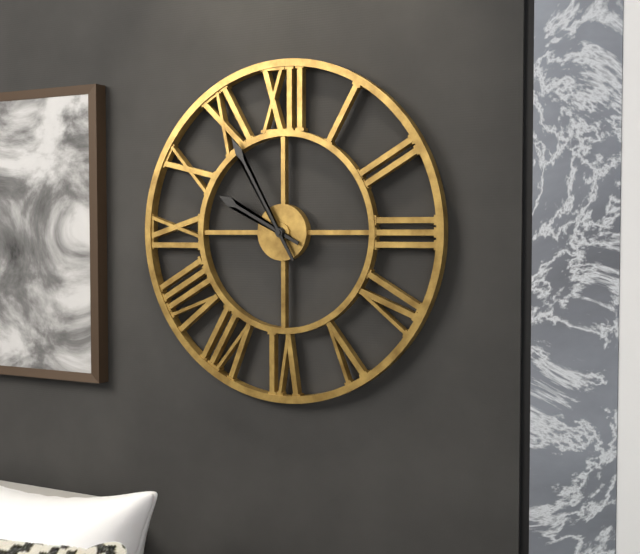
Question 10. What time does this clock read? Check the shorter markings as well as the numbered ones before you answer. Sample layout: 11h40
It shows 9h55
